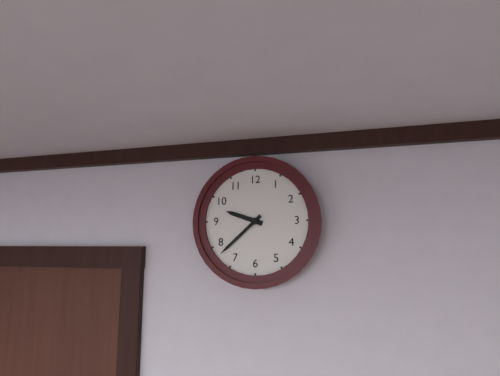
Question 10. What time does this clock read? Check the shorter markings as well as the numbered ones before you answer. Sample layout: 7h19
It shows 9h38
